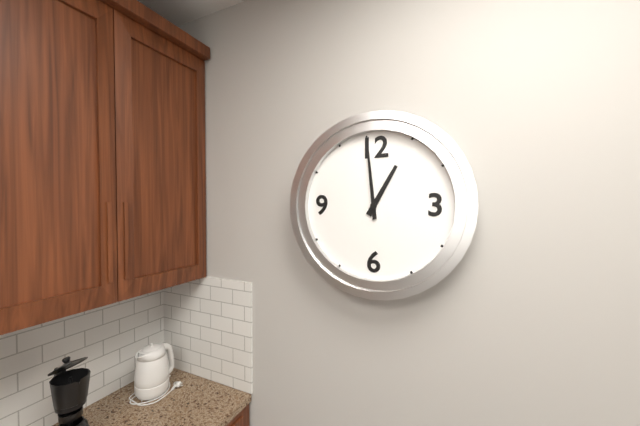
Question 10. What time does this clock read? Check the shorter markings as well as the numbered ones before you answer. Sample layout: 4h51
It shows 12h59
